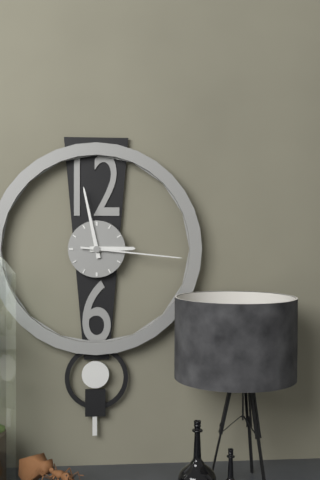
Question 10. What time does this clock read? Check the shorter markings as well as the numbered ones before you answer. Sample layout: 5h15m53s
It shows 2h58m16s
